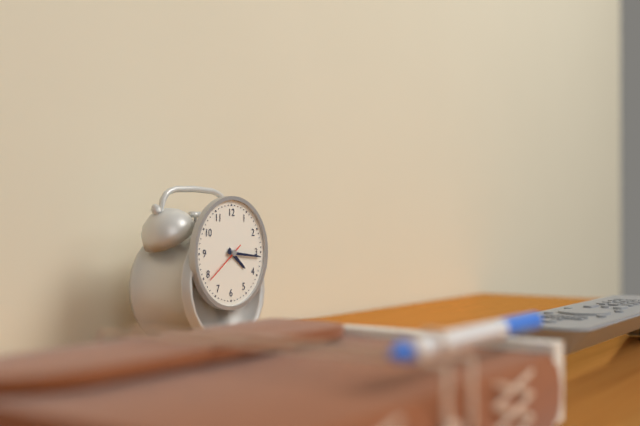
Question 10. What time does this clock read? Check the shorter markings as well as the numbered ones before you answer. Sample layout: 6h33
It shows 4h16
